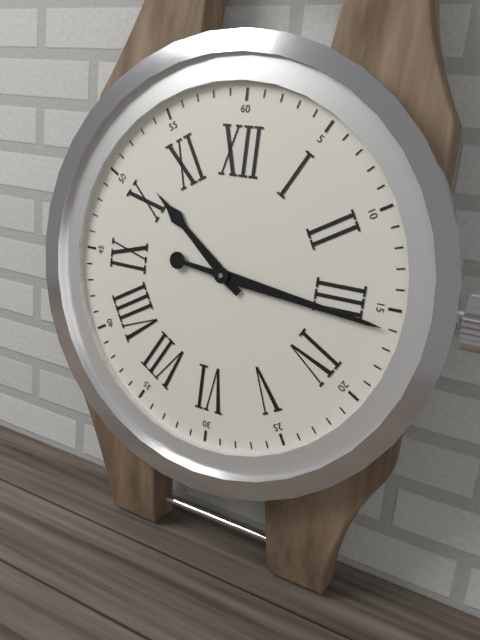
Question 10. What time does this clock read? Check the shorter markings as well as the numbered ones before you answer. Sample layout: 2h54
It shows 10h16
